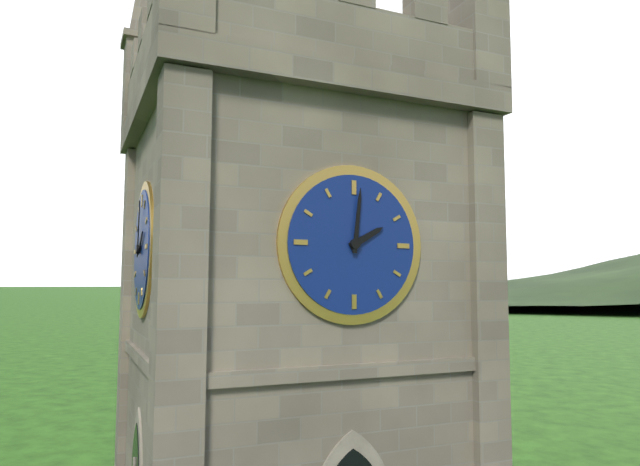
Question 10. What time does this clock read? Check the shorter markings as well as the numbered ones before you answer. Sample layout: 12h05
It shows 2h01
